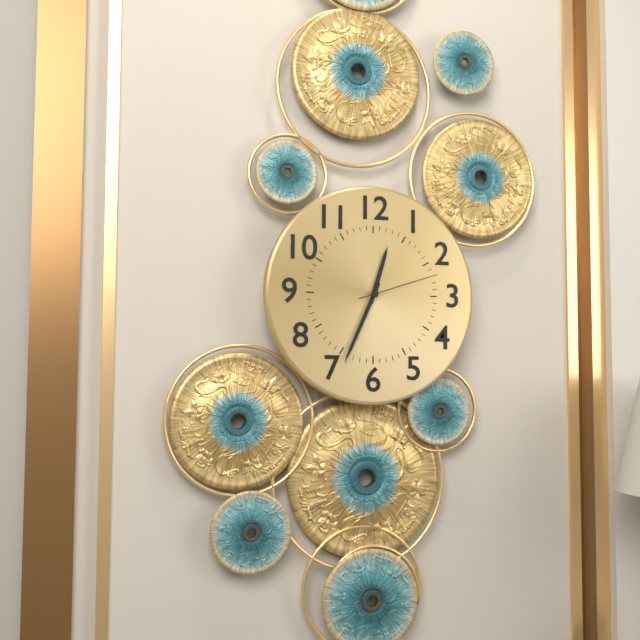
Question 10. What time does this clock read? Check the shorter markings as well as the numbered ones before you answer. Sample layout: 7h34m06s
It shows 12h34m12s
